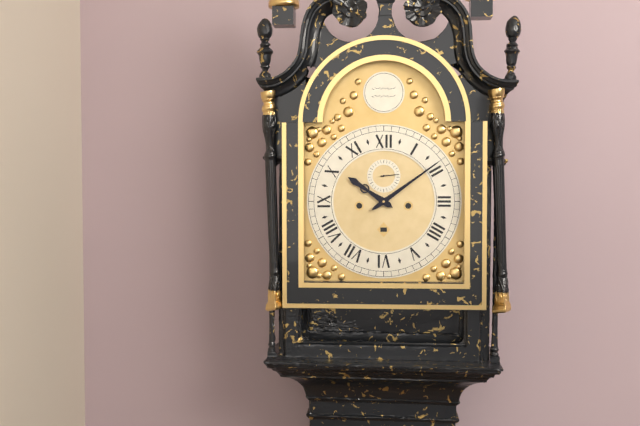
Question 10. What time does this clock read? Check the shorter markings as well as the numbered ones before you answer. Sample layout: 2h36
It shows 10h09
